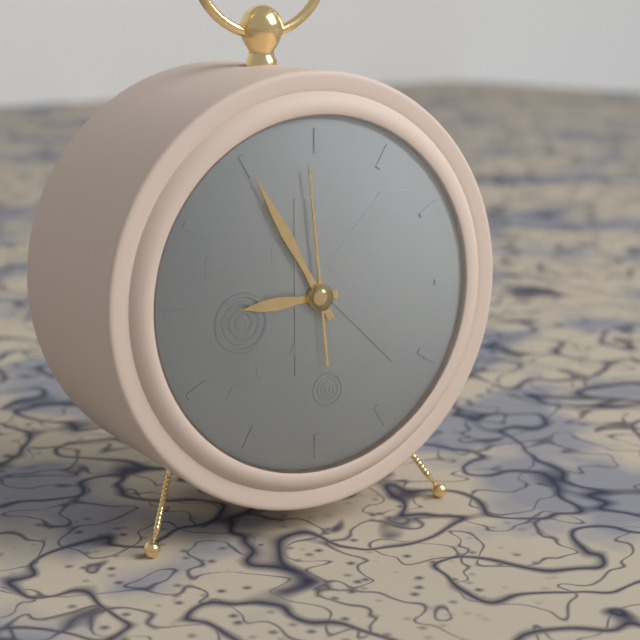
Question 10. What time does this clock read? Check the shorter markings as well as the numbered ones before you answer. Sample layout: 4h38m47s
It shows 8h55m59s
